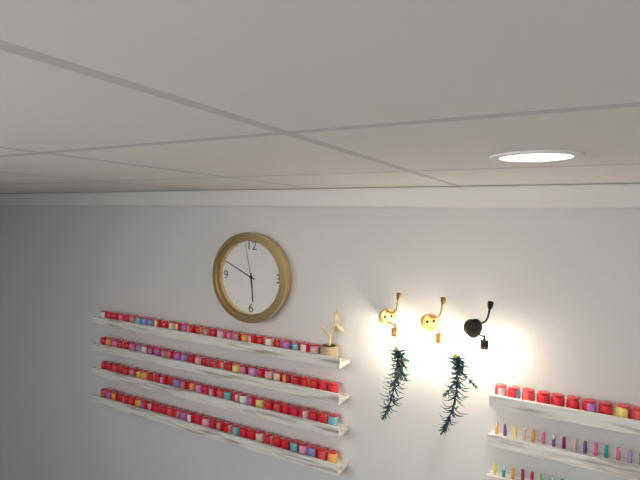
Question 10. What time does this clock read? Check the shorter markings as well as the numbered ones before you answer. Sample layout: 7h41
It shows 5h49
